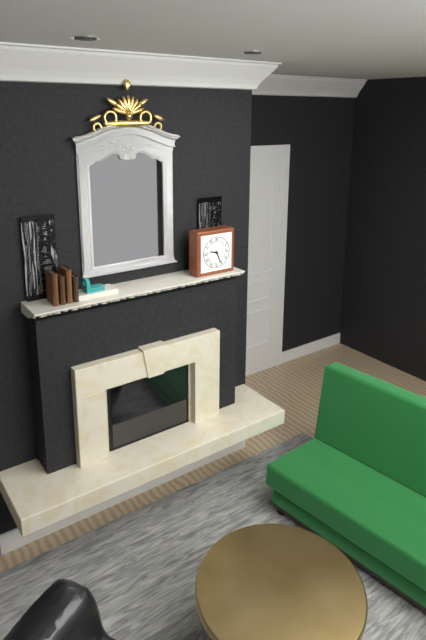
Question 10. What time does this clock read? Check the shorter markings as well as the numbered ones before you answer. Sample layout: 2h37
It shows 9h26
